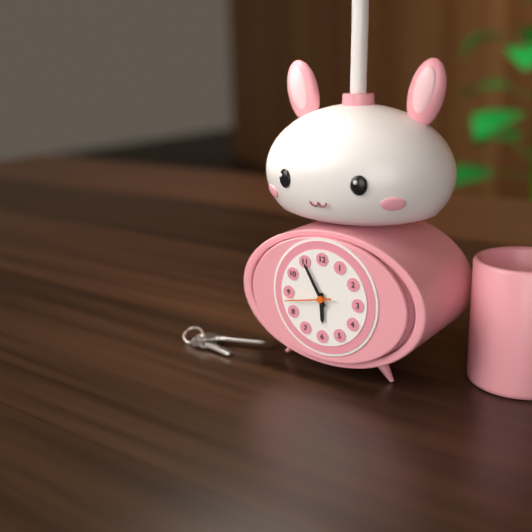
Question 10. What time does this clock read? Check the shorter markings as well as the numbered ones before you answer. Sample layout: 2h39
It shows 5h55
